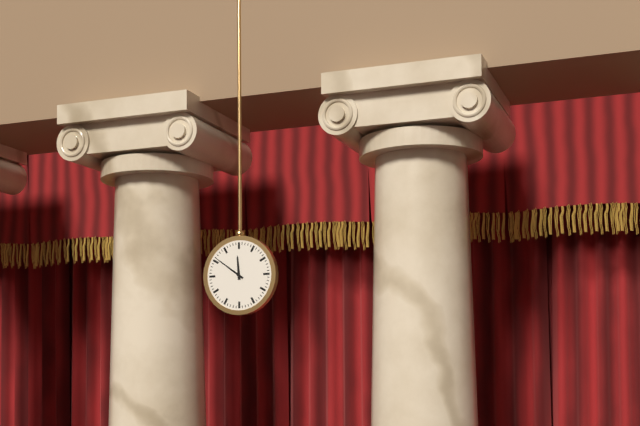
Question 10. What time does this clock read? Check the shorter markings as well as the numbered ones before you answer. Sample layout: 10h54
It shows 11h51
